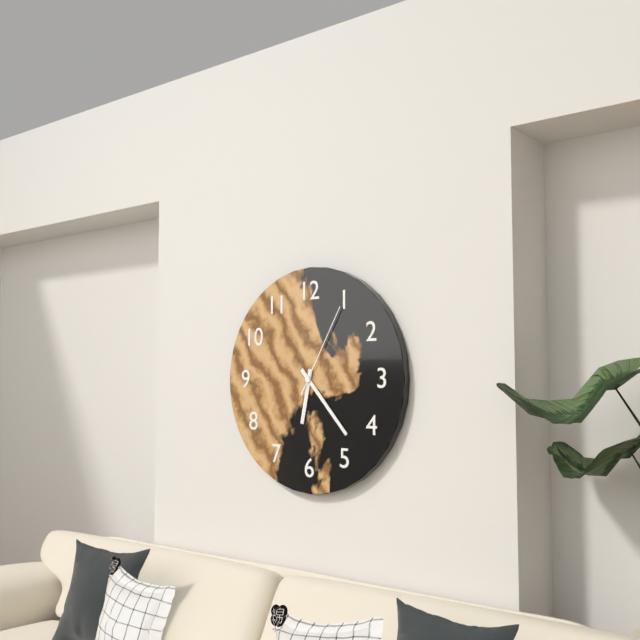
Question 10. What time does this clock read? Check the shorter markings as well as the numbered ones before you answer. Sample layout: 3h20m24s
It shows 6h23m05s
